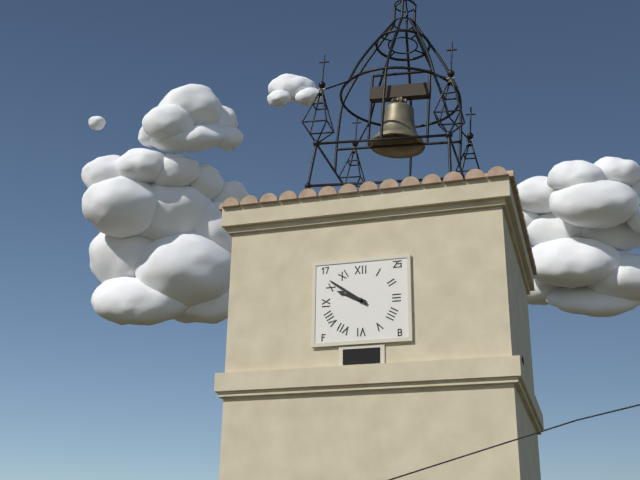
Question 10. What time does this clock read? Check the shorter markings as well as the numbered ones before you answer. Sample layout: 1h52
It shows 9h51
